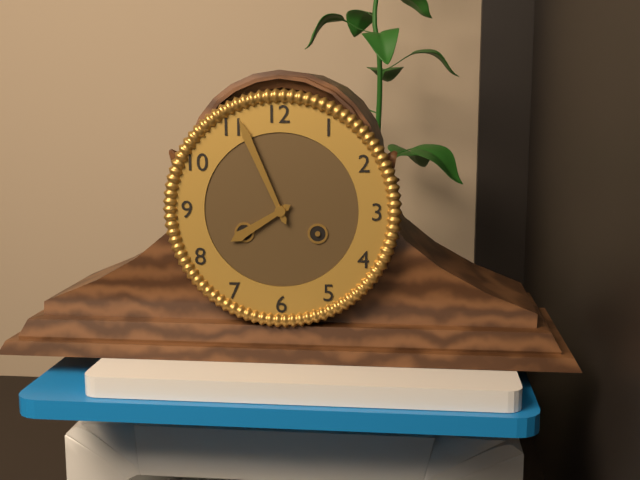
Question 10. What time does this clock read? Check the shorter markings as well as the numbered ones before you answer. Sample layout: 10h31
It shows 7h56
